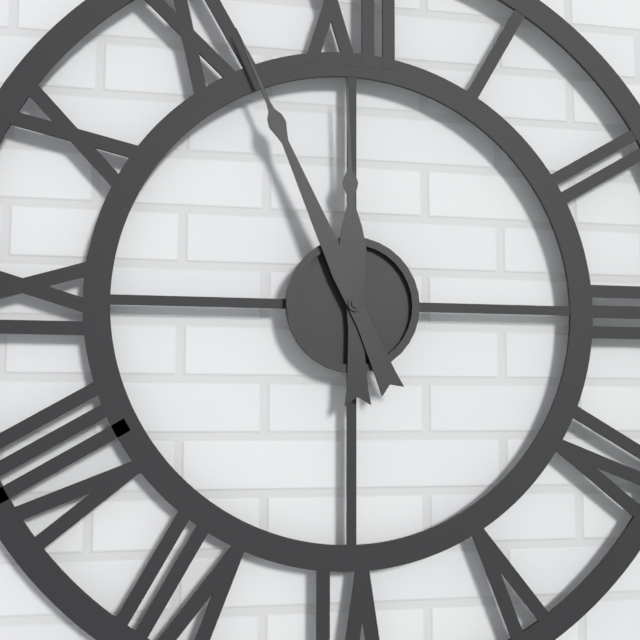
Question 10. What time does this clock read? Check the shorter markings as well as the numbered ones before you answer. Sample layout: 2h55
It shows 11h56
